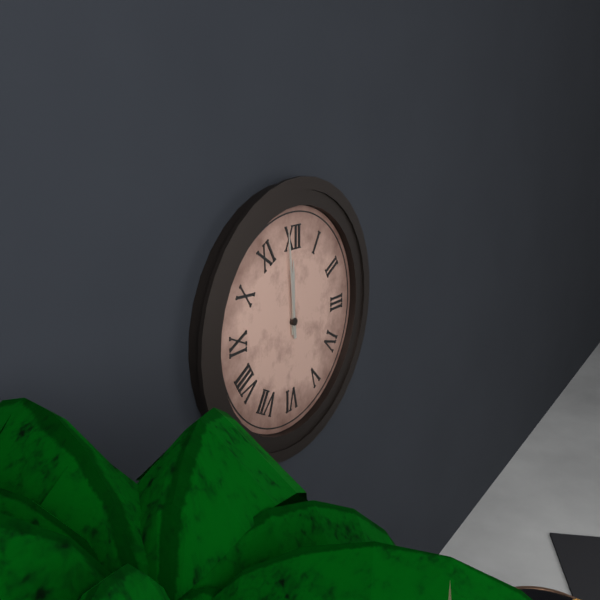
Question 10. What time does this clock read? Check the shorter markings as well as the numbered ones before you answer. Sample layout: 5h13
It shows 11h59
